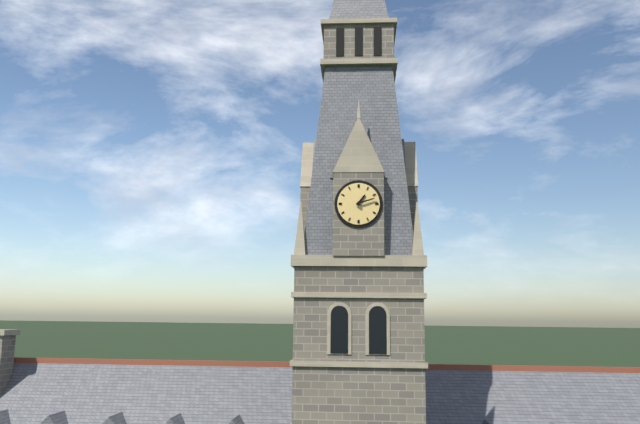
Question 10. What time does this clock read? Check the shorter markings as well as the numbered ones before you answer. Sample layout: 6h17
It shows 1h12
